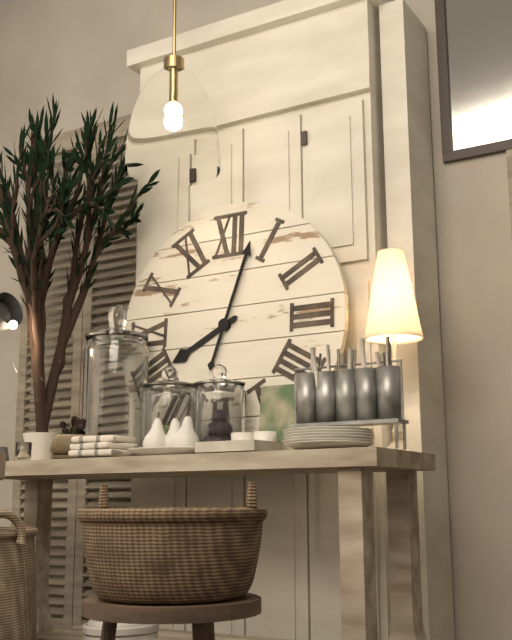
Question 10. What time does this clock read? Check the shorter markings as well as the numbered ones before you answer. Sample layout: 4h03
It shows 8h03
